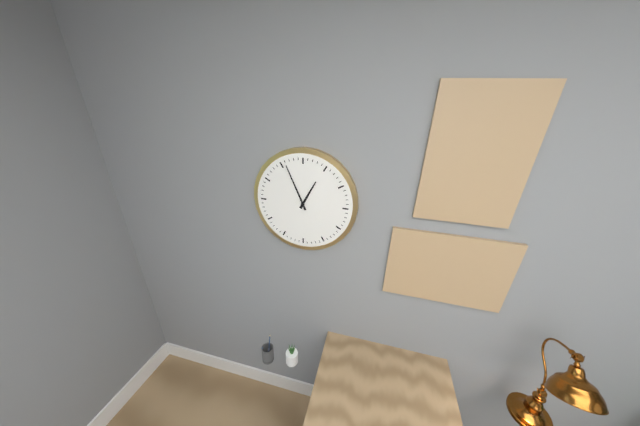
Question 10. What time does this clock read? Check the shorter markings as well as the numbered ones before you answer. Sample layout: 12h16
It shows 12h56
